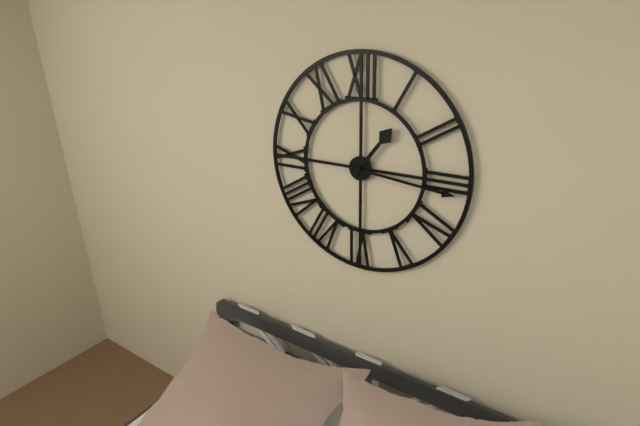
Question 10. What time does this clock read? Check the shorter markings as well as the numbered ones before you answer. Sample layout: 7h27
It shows 1h16
